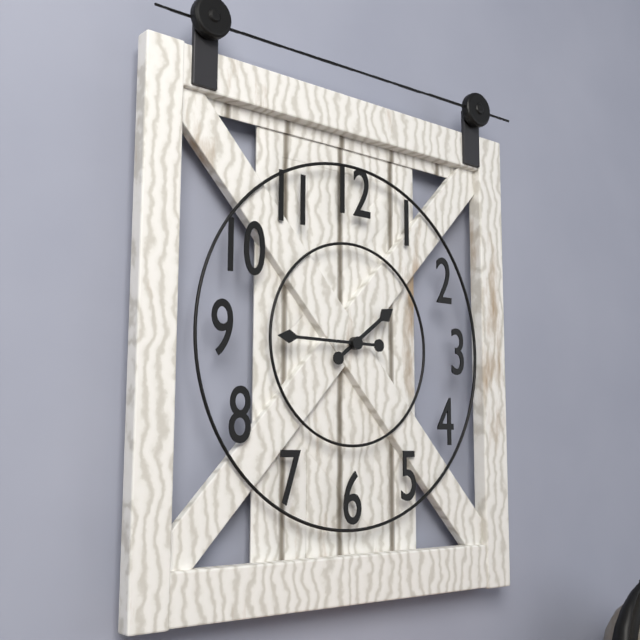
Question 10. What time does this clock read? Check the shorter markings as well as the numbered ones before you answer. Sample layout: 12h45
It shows 1h45
